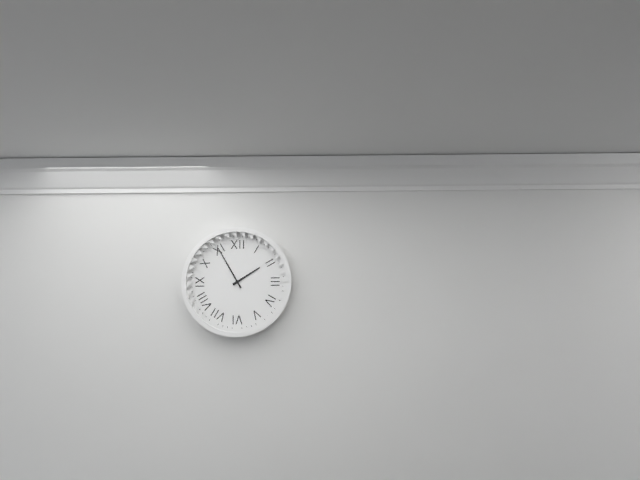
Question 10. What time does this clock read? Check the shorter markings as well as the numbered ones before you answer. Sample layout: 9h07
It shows 1h55
